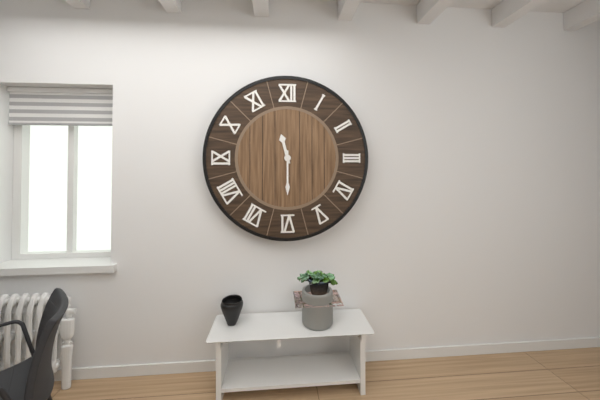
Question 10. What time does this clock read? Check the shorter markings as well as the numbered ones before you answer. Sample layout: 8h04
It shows 11h30
